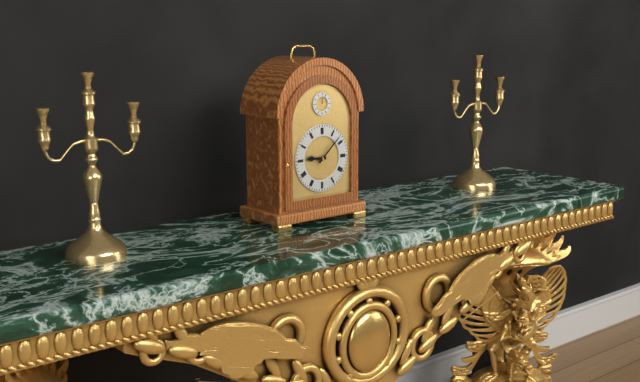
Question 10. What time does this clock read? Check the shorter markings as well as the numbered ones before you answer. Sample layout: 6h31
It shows 9h08
